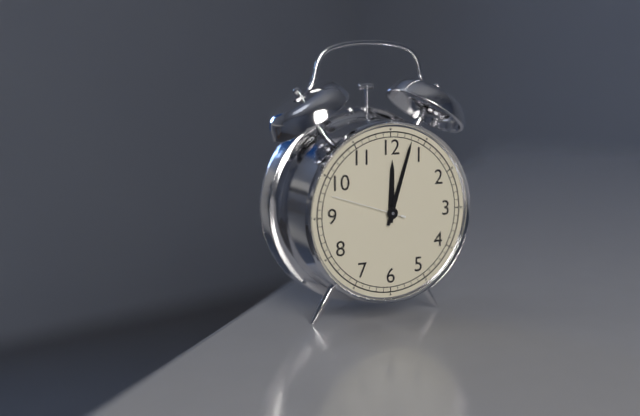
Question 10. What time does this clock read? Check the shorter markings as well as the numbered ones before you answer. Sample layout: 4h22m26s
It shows 12h03m48s
